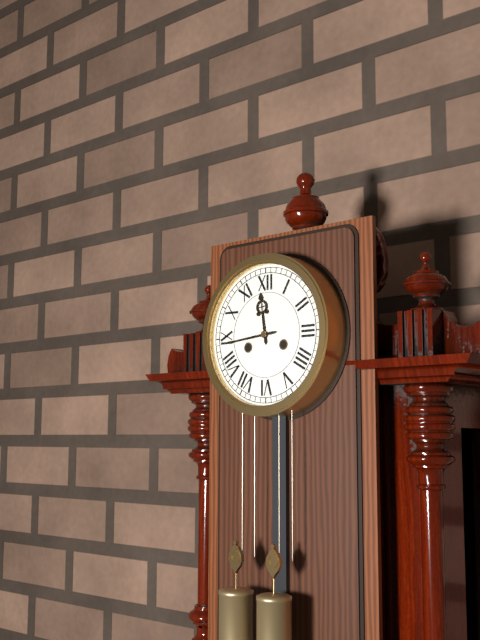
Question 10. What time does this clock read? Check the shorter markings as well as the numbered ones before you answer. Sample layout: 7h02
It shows 11h44
